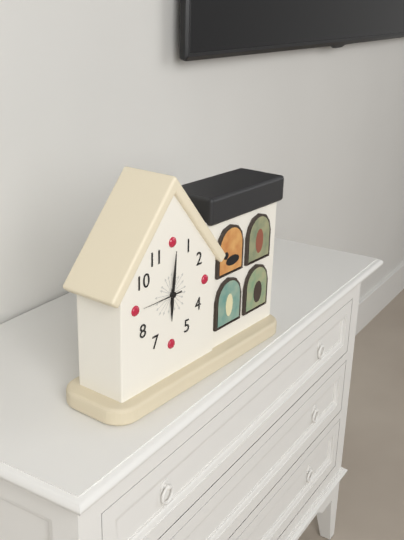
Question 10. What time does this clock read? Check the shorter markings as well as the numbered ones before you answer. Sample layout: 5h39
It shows 6h01
